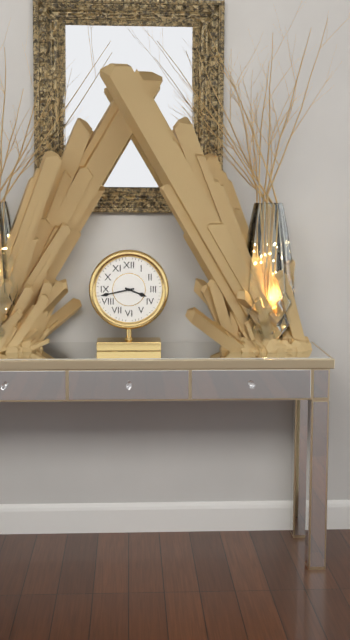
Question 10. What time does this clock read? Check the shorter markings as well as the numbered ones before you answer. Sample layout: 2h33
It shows 3h43
